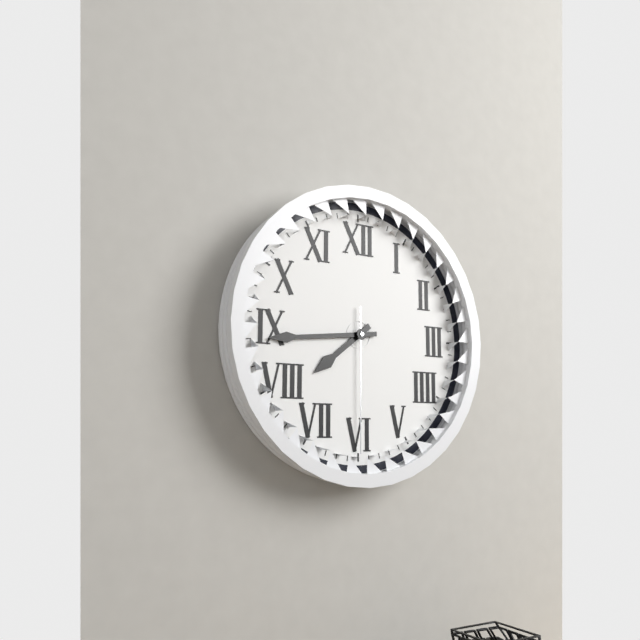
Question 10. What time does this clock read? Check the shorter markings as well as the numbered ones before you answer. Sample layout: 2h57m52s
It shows 7h44m30s
